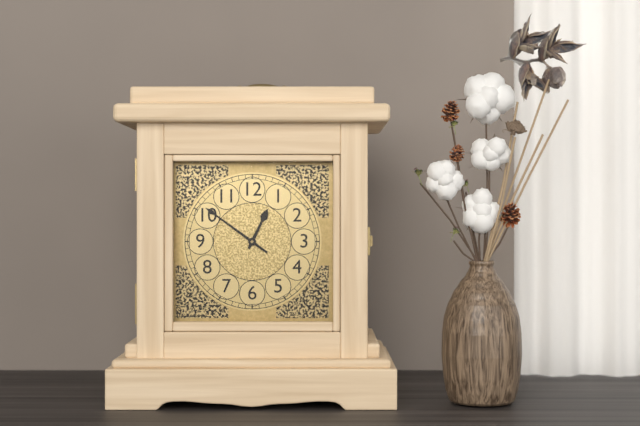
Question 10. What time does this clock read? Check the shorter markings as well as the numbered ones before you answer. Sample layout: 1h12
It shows 12h51
